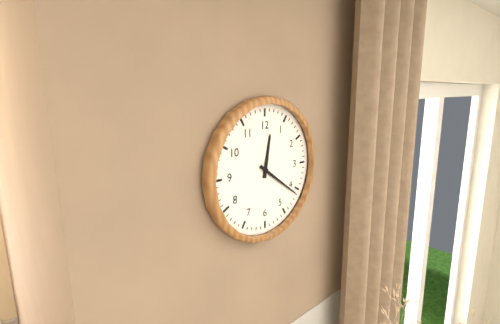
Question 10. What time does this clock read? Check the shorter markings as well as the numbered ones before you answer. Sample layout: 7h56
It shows 12h21
